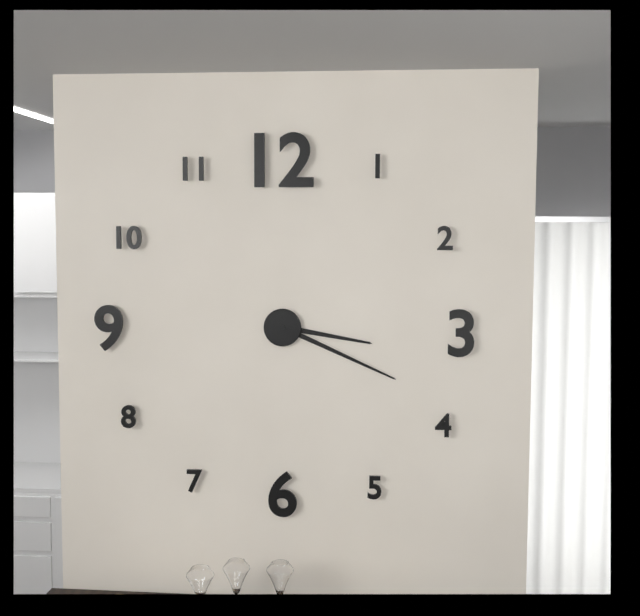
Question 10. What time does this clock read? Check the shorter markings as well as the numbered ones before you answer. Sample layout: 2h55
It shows 3h19
